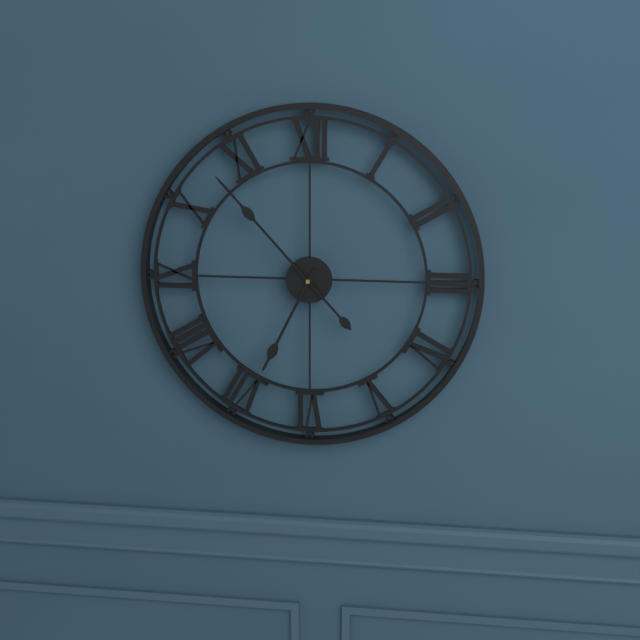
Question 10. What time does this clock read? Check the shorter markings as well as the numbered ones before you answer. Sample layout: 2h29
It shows 6h53
